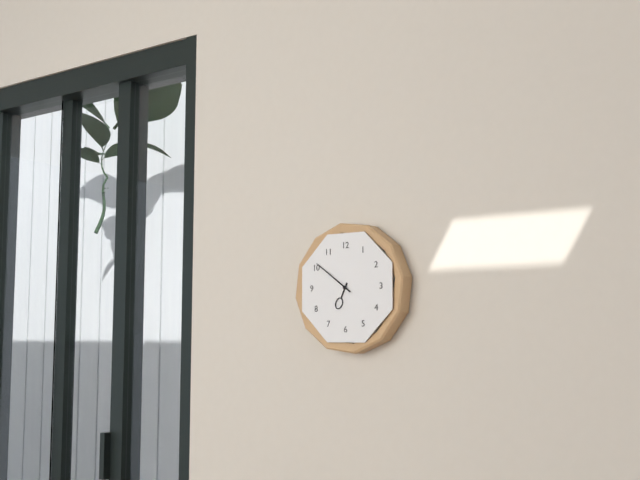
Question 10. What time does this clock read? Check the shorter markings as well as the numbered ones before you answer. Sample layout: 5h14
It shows 6h51
